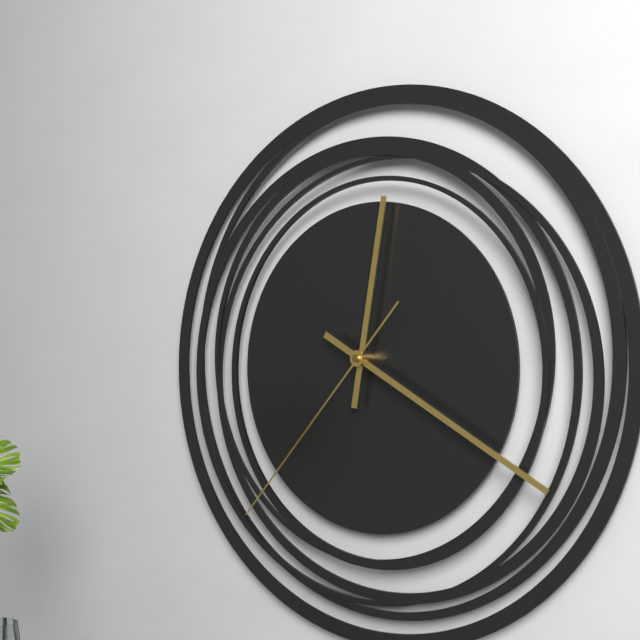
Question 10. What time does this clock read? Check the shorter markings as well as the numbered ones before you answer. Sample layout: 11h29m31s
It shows 12h20m37s
